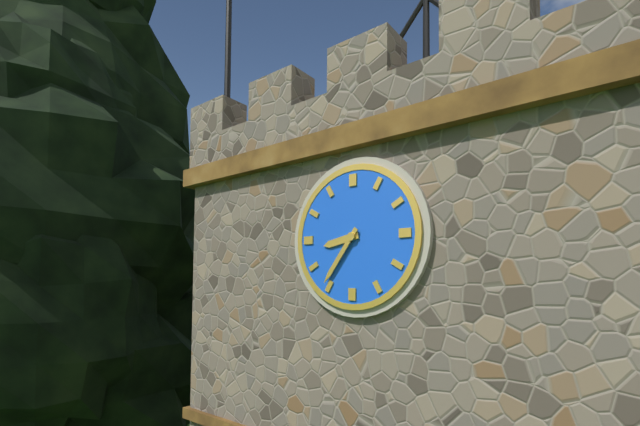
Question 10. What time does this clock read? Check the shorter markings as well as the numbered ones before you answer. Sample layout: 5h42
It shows 8h36
